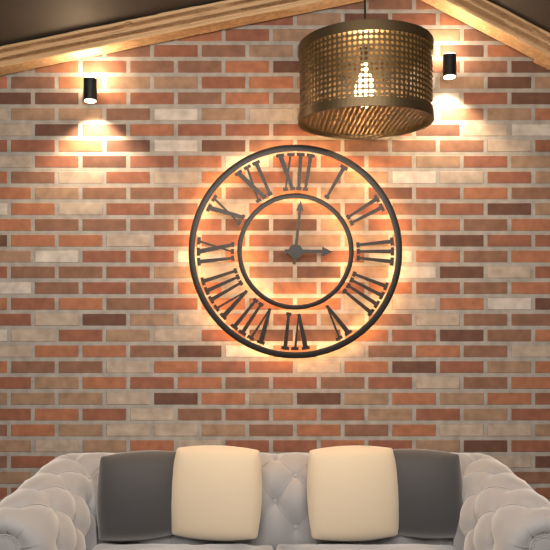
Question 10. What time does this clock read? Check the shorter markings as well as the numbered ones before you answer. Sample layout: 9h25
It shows 3h01
